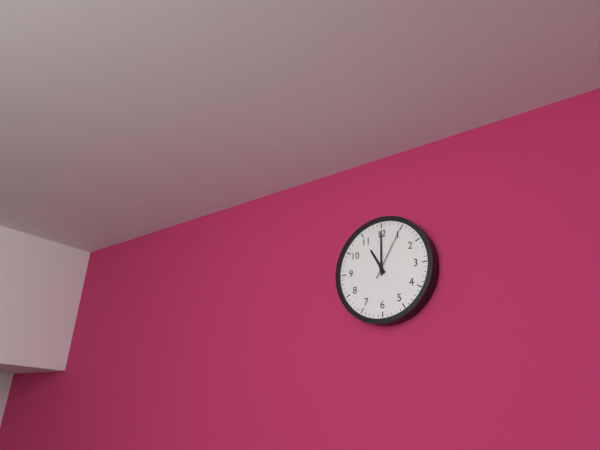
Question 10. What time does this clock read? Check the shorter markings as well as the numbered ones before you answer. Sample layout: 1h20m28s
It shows 11h00m05s
